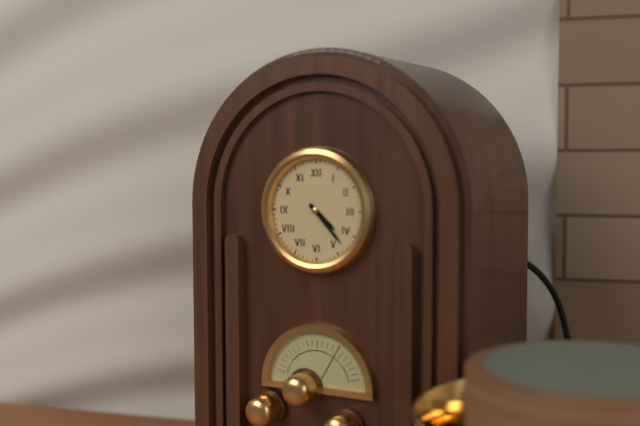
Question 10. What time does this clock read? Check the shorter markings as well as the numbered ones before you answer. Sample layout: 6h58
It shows 4h23
